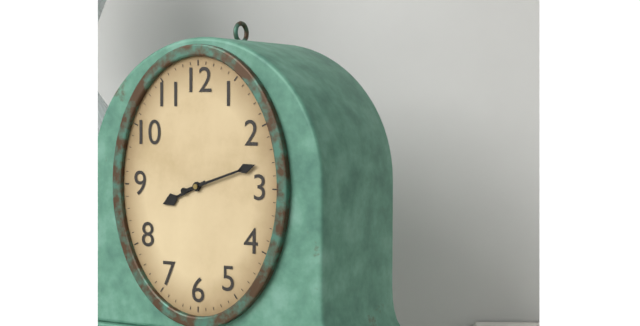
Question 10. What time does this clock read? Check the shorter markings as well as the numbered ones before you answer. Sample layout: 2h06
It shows 8h12
